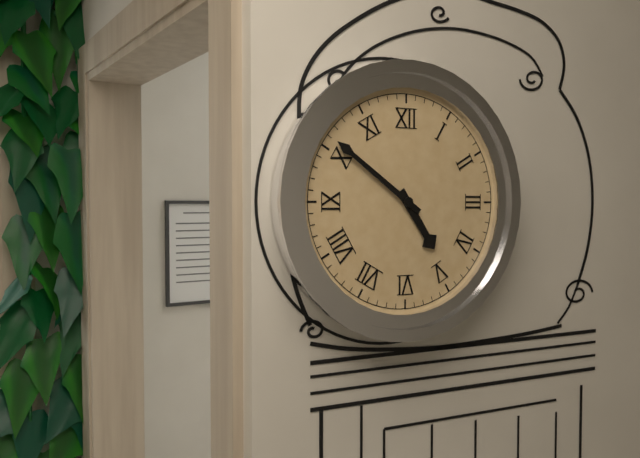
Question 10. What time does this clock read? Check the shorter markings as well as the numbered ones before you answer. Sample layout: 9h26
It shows 4h51
